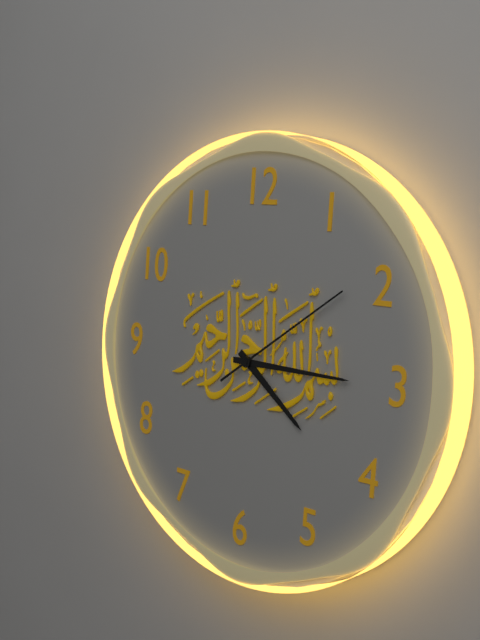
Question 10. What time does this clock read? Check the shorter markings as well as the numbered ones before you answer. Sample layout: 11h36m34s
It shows 4h15m09s
